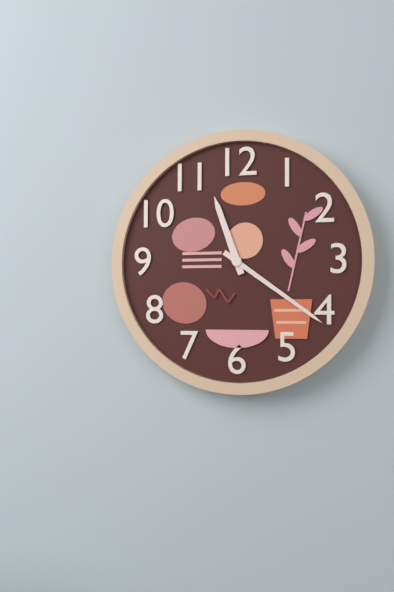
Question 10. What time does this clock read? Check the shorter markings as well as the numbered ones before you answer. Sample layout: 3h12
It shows 11h21
